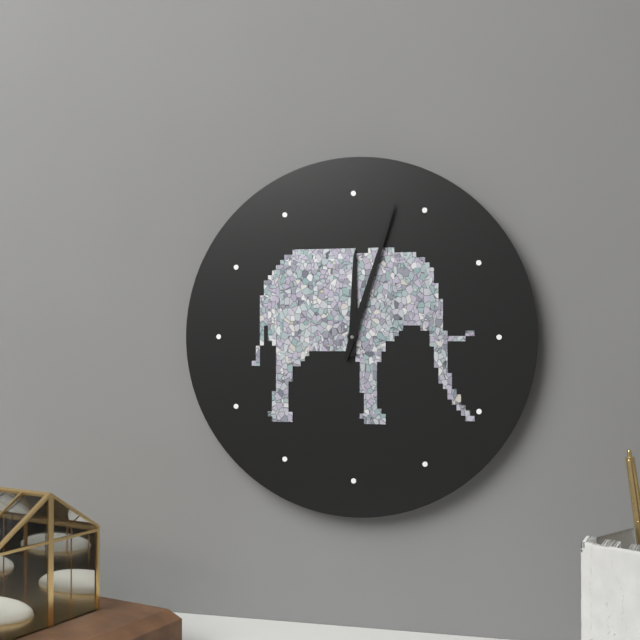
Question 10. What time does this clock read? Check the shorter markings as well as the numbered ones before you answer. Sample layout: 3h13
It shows 12h03
